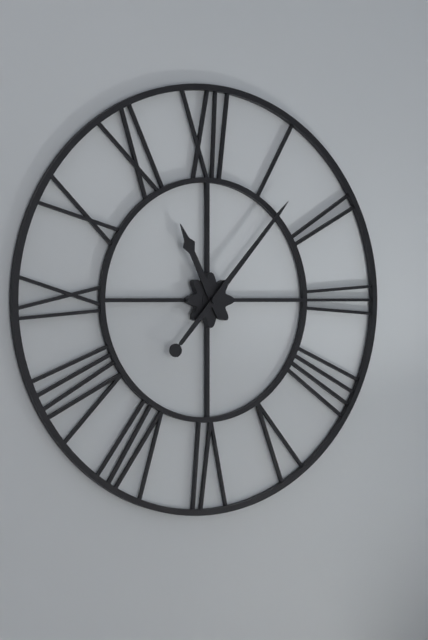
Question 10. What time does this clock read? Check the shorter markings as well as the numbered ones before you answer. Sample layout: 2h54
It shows 11h07
